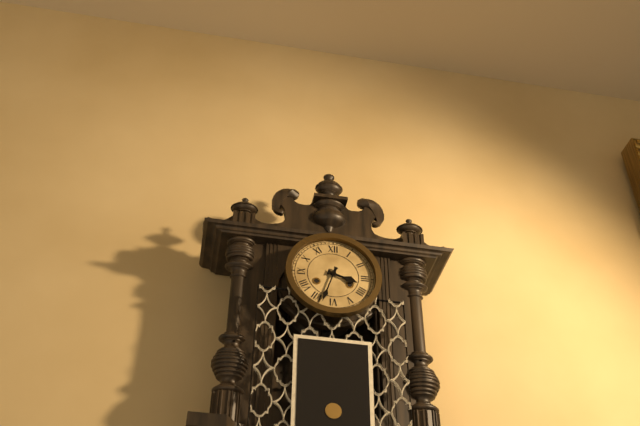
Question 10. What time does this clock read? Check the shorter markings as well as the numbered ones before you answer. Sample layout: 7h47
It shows 3h33
